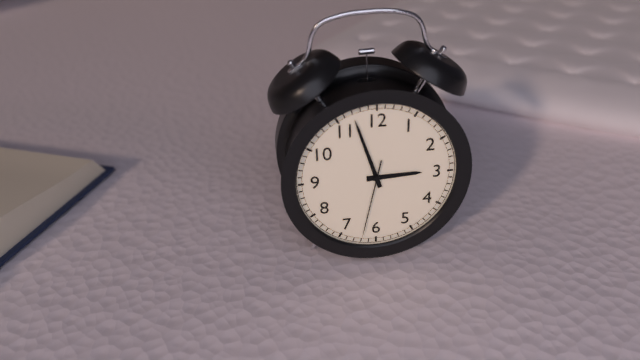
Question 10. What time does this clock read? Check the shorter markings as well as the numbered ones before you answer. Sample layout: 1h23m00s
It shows 2h57m32s
